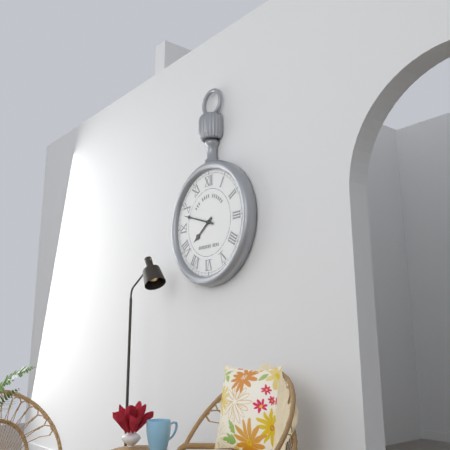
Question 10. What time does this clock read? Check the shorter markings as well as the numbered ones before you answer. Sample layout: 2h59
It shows 7h48
